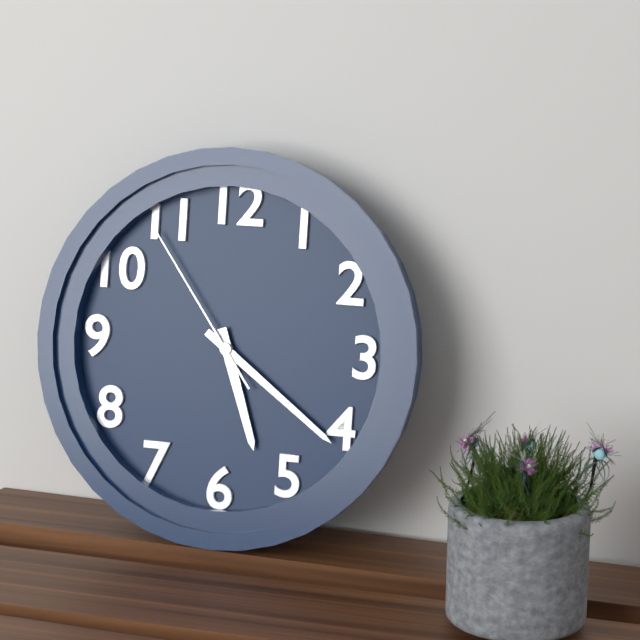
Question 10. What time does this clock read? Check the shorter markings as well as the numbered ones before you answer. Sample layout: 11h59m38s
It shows 5h21m54s
